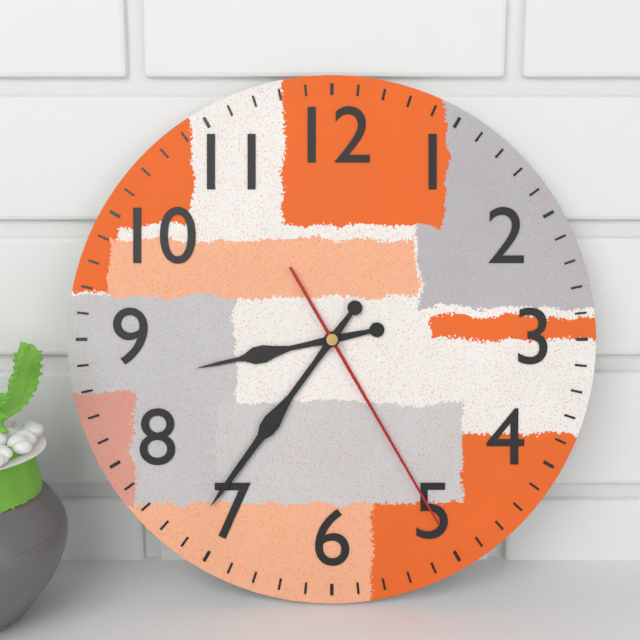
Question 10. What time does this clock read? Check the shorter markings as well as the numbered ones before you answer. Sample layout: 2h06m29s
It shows 8h36m25s
